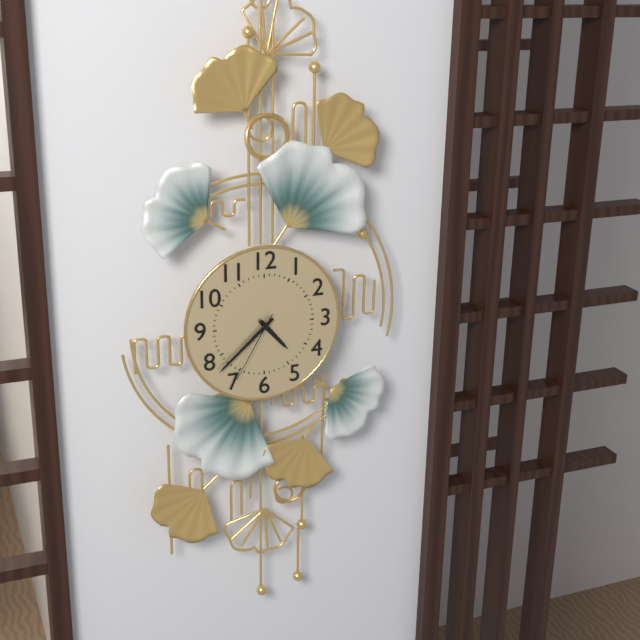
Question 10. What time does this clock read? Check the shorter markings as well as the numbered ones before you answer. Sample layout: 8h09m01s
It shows 4h38m35s
